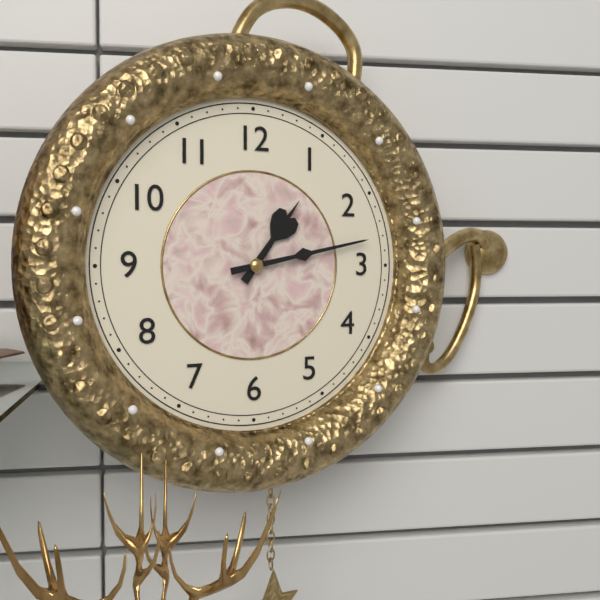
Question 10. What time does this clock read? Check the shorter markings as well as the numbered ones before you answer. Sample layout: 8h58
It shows 1h13
